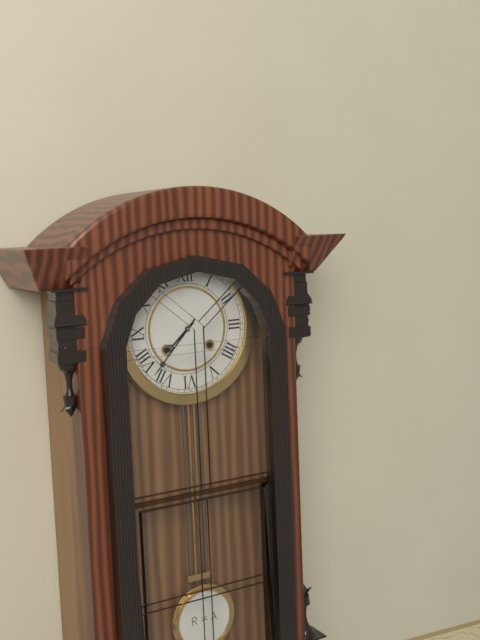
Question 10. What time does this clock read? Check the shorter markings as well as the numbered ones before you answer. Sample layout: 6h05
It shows 7h37
